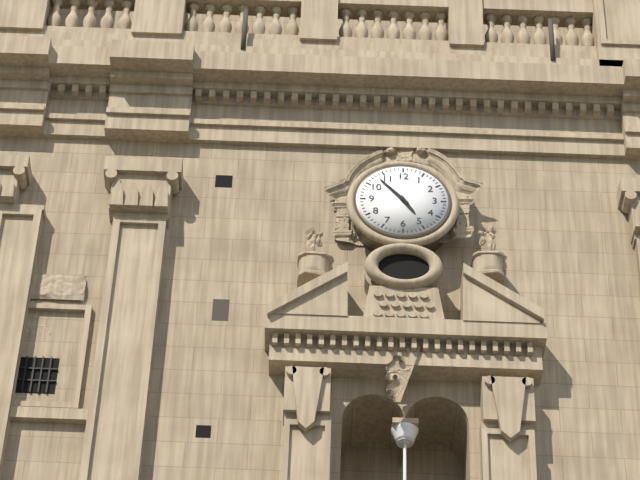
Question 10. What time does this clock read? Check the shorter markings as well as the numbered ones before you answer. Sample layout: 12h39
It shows 4h53
